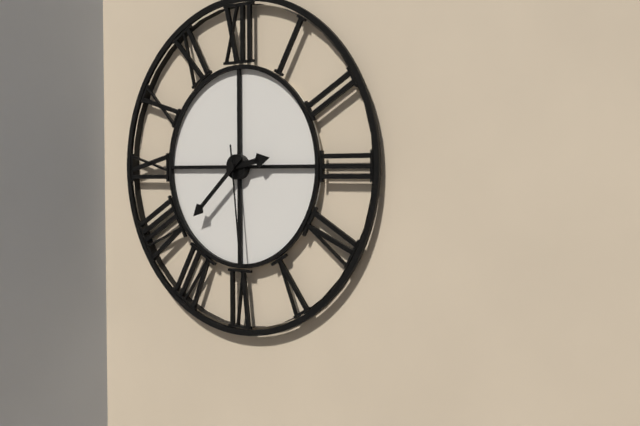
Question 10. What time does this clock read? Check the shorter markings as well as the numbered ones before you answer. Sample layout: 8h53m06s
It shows 2h38m29s
